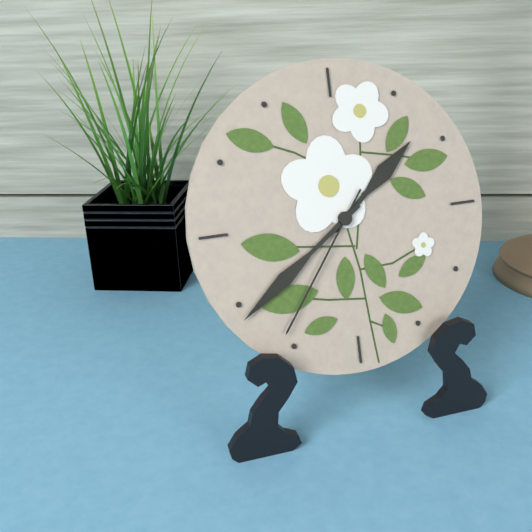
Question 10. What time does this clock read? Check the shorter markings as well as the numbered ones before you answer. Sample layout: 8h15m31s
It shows 1h39m36s
